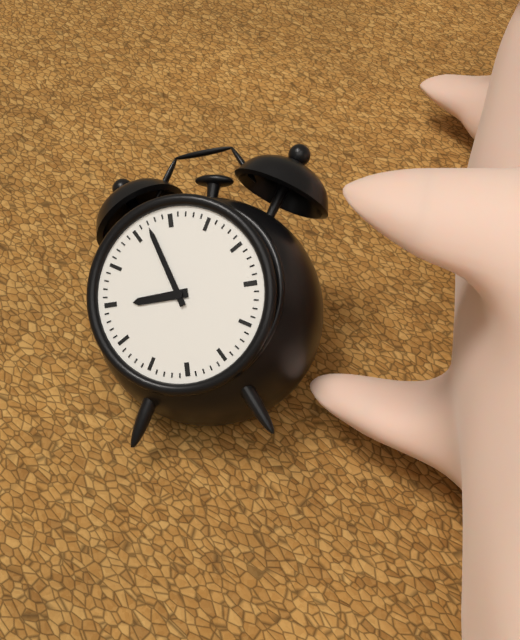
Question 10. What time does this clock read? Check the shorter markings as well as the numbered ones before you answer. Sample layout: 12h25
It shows 8h57
